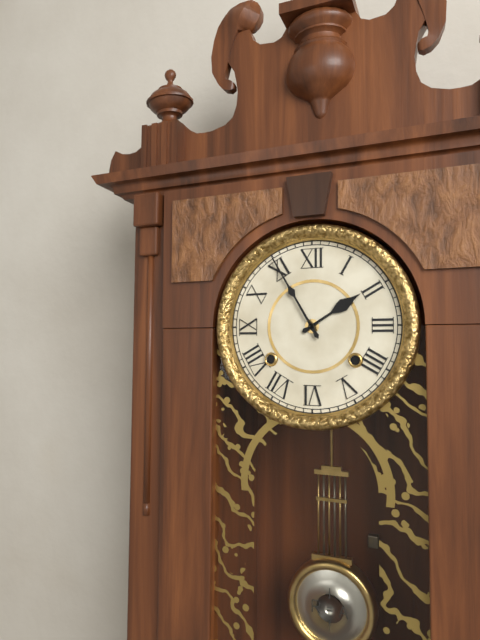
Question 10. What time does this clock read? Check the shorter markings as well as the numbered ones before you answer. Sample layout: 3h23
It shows 1h55
